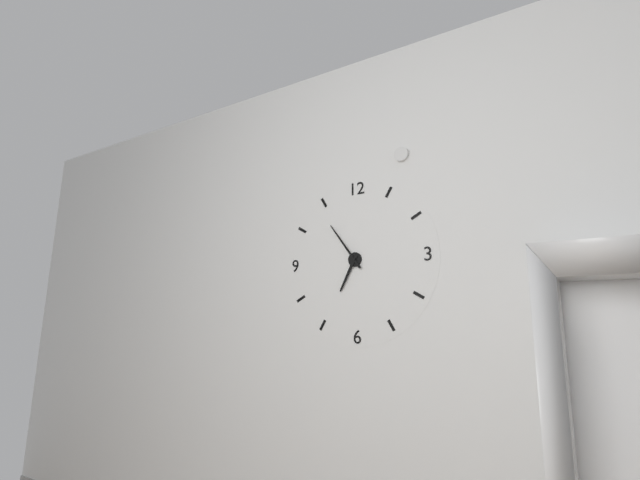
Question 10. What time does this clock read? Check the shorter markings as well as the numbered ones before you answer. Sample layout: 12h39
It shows 6h54
